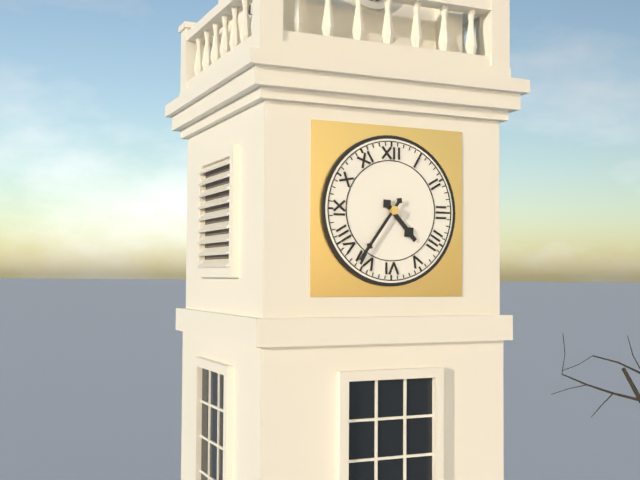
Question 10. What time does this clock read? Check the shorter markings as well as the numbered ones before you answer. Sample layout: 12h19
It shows 4h36
